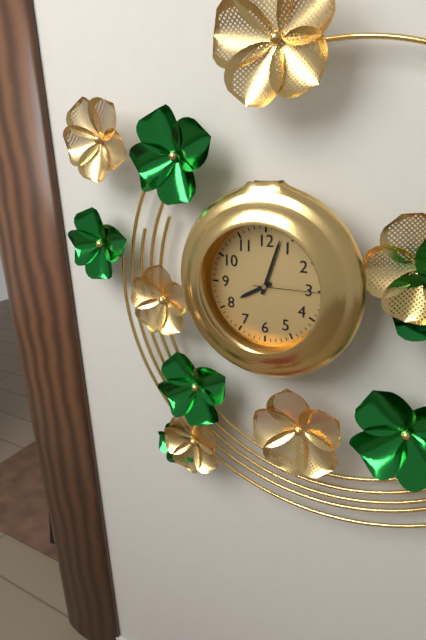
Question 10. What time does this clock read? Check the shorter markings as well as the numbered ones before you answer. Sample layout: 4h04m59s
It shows 8h03m15s
